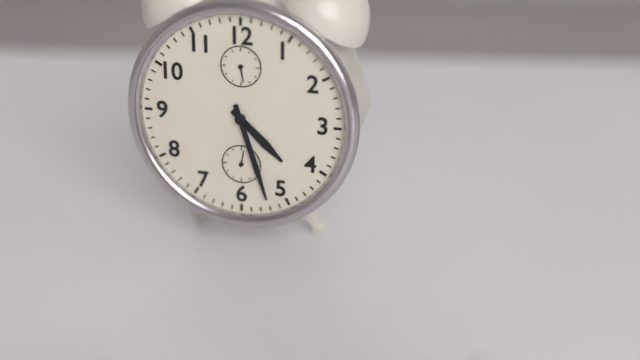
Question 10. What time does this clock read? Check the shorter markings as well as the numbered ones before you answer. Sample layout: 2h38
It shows 4h27
